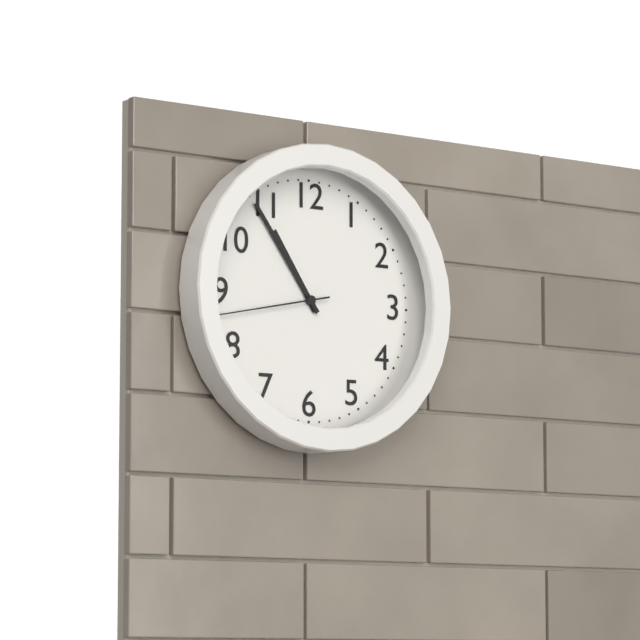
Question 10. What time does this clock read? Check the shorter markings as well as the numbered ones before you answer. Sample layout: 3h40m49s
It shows 10h54m43s
